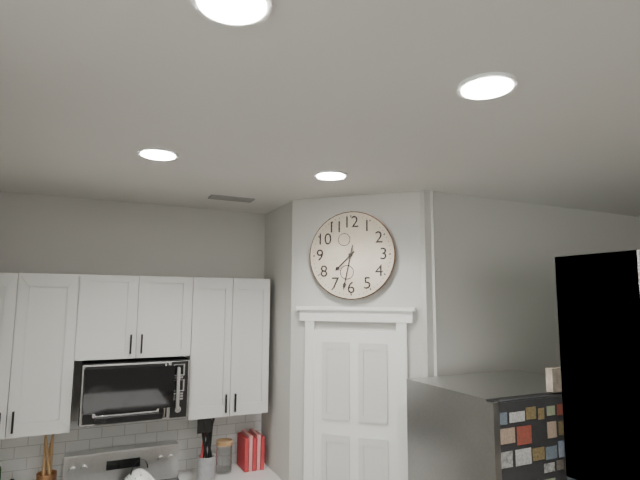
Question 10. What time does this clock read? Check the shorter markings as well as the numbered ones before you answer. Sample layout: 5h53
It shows 7h32
